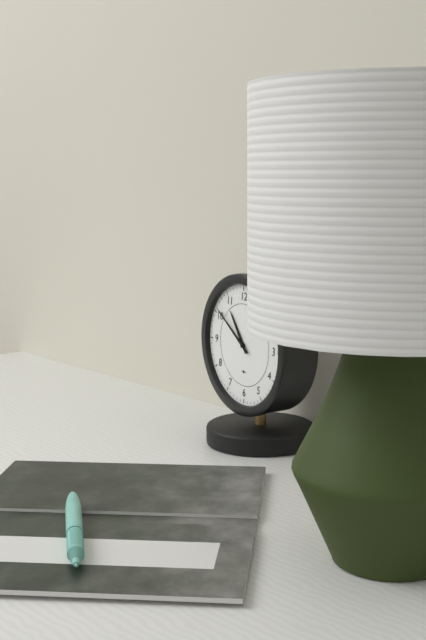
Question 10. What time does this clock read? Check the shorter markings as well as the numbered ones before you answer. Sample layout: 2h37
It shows 10h51
